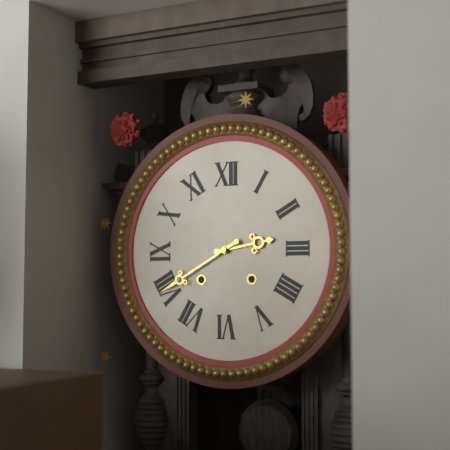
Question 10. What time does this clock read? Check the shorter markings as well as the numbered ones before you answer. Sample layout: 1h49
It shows 2h40
